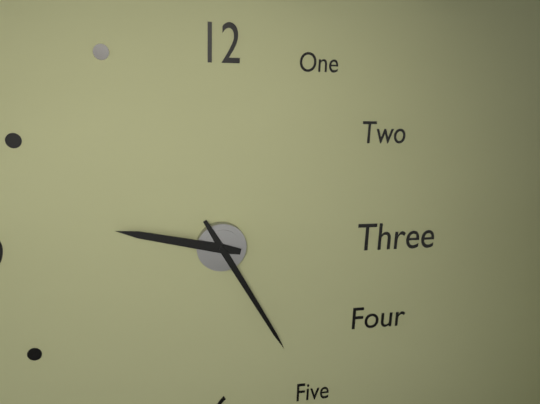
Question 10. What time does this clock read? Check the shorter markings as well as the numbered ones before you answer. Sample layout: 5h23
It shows 9h25
